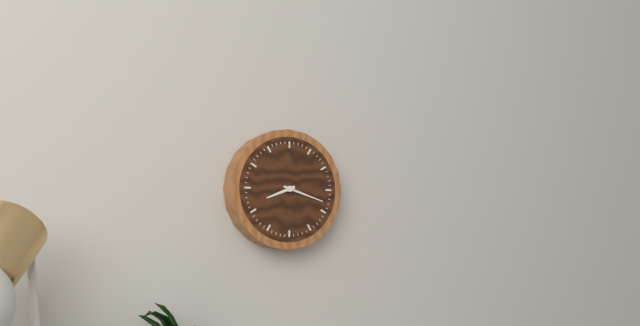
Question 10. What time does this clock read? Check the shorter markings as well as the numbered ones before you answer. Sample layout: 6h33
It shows 8h18
